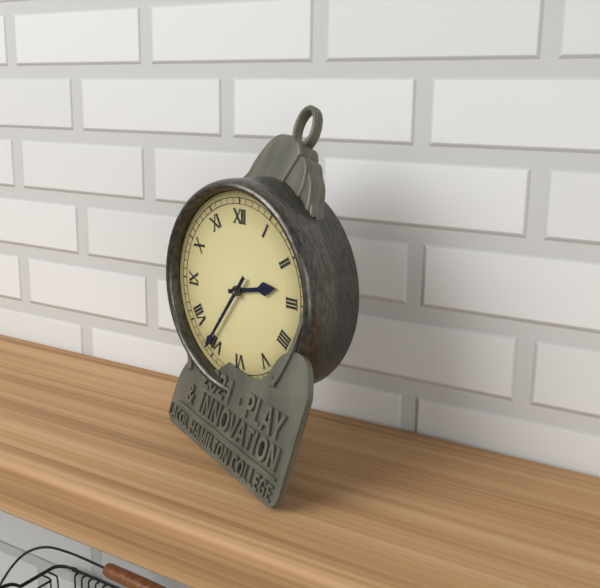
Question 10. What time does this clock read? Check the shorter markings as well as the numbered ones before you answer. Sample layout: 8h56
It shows 2h36
